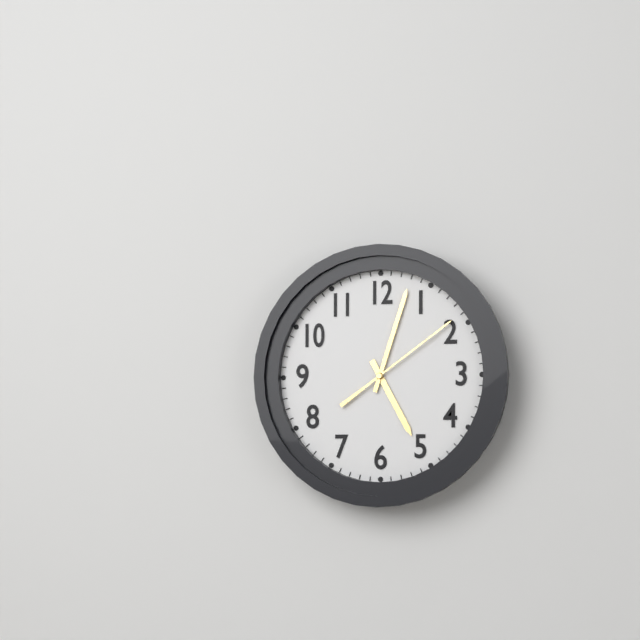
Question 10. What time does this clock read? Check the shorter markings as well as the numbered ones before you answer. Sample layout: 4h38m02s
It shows 5h03m09s
